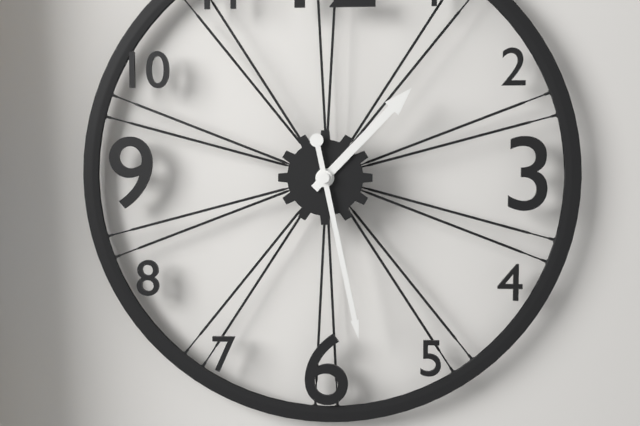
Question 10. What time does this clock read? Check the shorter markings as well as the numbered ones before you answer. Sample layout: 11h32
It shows 1h28
